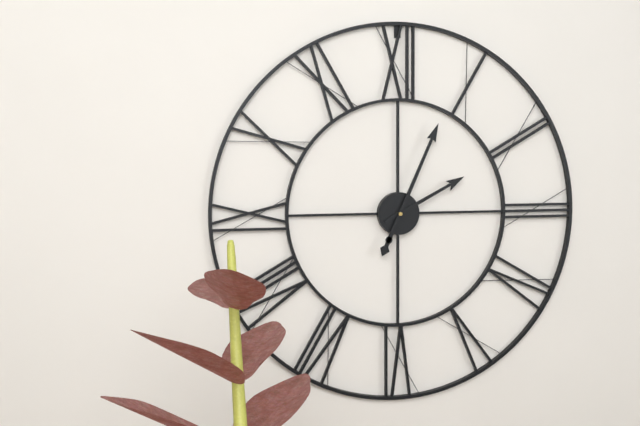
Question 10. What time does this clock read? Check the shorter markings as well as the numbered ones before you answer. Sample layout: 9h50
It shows 2h04
